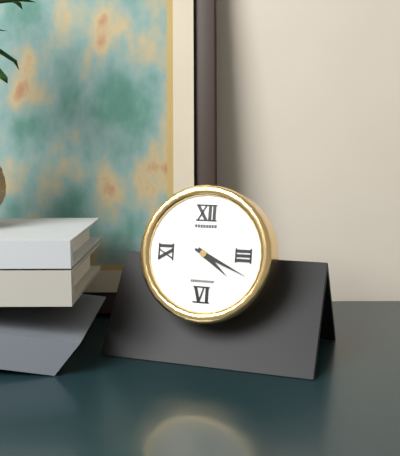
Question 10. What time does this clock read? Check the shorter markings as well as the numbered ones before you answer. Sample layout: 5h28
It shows 4h19
